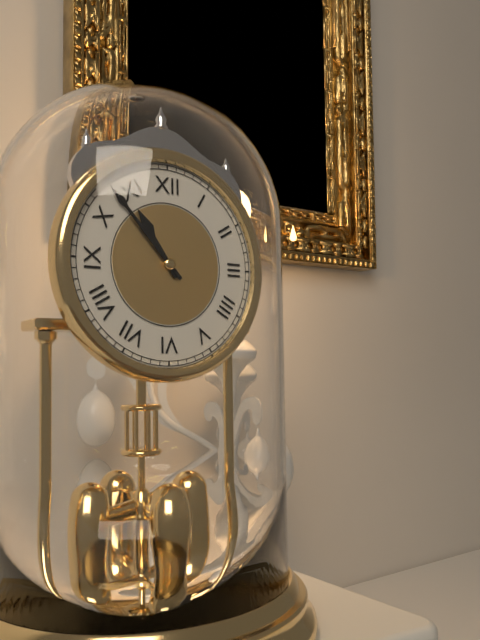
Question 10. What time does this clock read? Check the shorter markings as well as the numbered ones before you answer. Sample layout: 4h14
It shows 10h53
